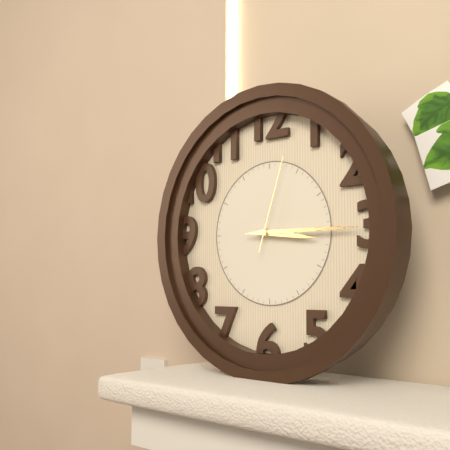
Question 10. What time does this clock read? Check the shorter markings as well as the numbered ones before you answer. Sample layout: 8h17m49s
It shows 3h15m03s
